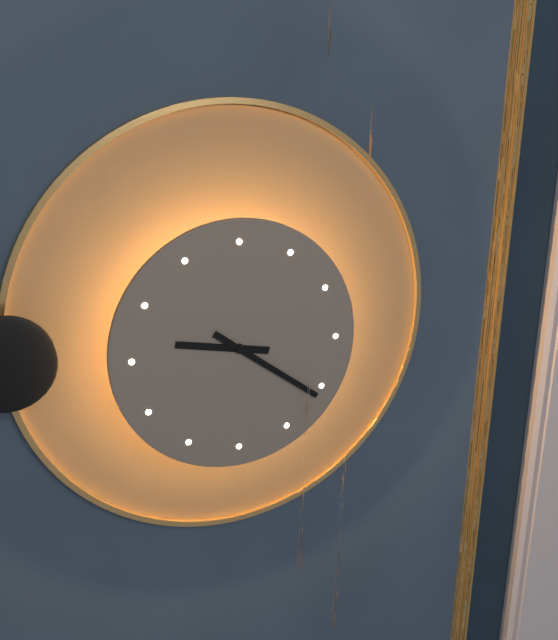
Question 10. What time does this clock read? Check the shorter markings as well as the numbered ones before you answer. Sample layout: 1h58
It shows 9h21
